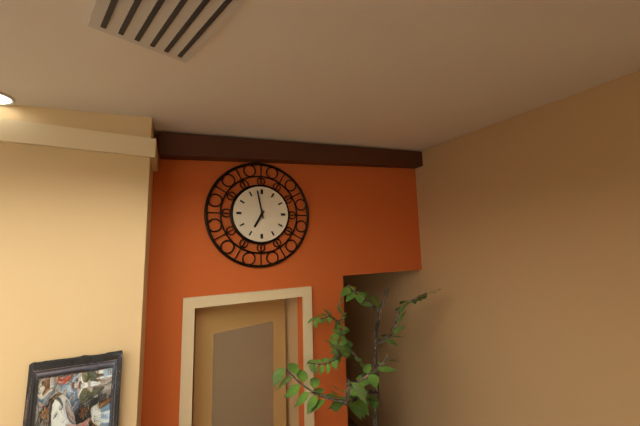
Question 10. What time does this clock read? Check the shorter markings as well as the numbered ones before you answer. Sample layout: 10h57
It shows 6h58
